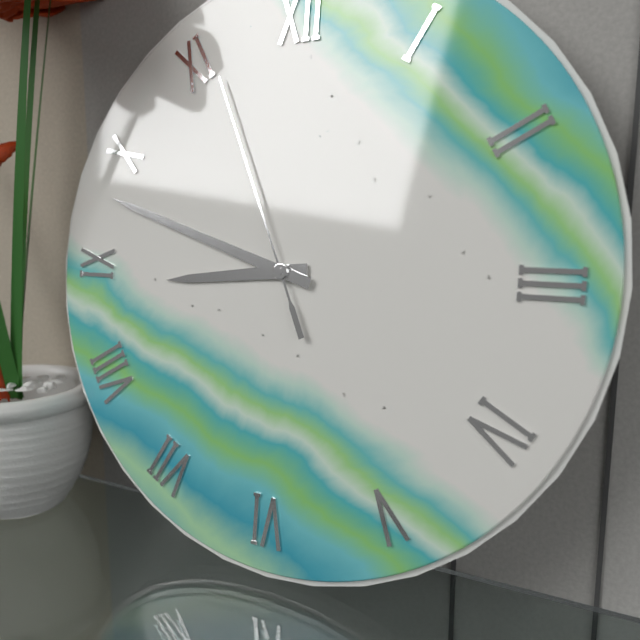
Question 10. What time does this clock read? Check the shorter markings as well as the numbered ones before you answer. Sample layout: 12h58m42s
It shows 8h48m56s
